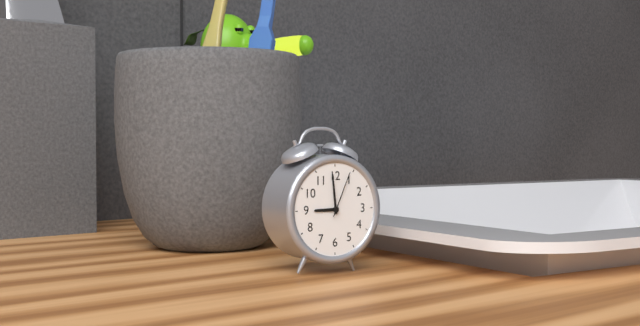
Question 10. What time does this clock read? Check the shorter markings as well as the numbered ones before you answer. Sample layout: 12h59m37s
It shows 8h59m04s
